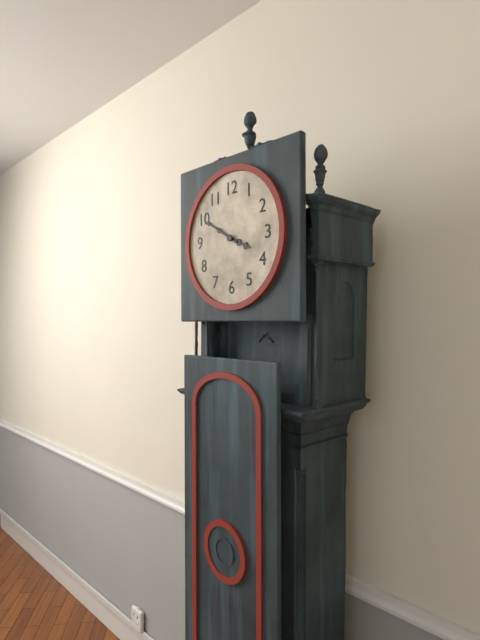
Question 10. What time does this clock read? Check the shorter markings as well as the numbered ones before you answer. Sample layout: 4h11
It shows 3h50
